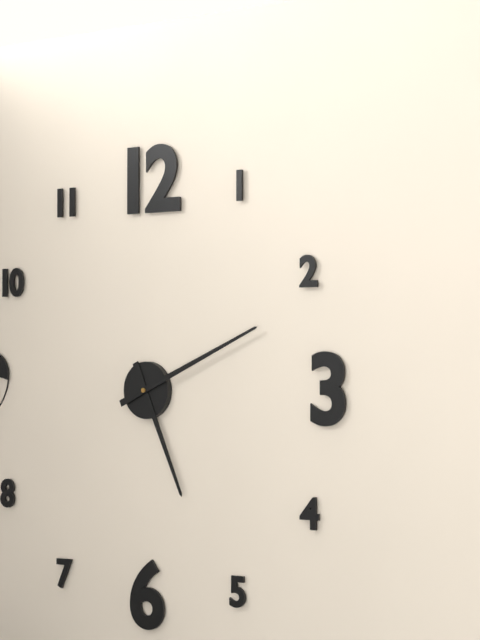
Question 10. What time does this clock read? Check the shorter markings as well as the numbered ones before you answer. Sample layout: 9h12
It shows 5h11
